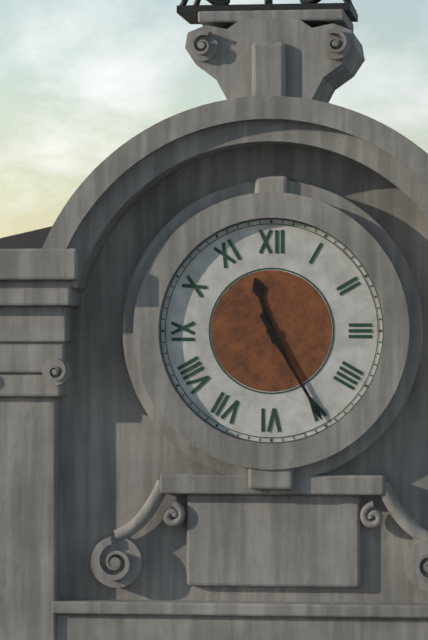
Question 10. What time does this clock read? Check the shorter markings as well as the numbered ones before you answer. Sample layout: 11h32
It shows 11h25
